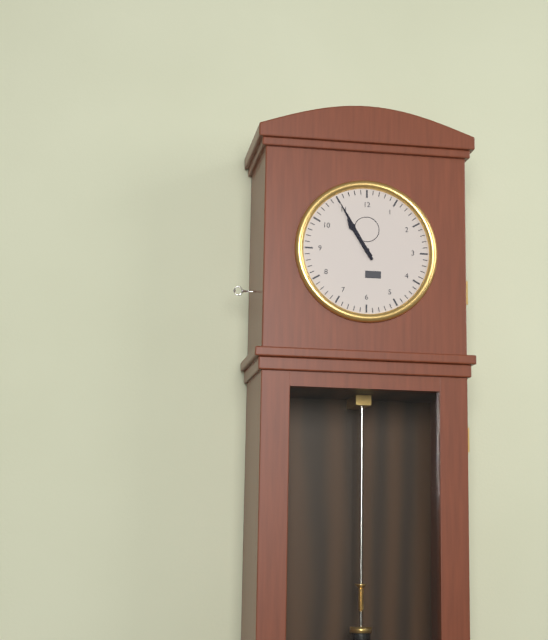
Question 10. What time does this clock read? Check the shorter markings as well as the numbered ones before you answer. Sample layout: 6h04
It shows 10h55
